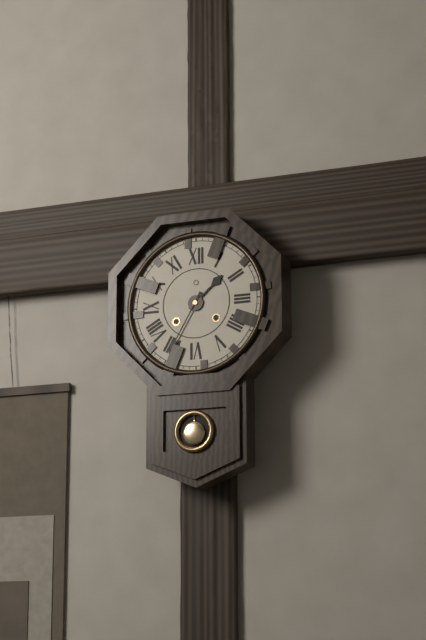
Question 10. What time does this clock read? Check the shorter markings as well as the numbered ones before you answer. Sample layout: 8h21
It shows 1h35
